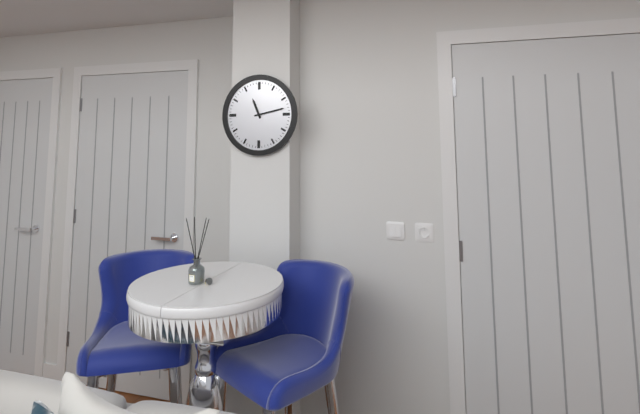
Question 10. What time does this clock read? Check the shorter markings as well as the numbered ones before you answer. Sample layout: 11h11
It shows 11h13
